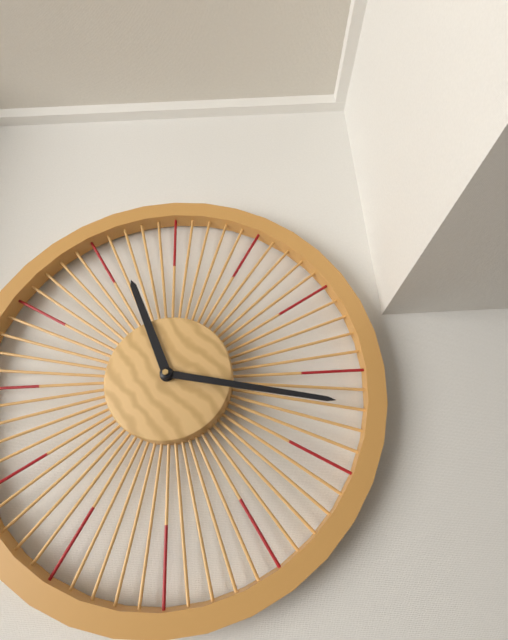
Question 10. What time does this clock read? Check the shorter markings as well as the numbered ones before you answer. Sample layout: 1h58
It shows 11h17
